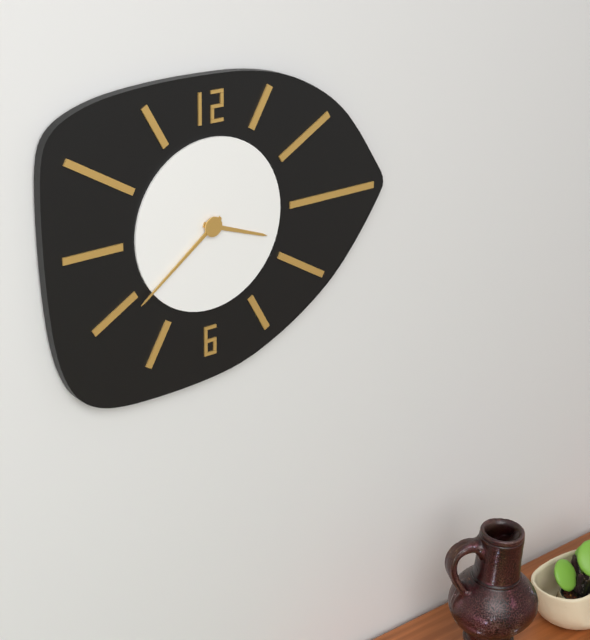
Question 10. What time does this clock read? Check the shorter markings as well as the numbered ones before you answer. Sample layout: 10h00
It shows 3h39
